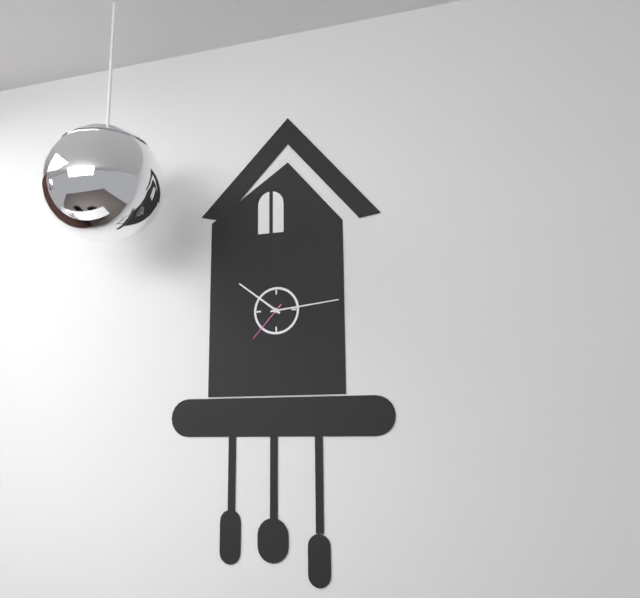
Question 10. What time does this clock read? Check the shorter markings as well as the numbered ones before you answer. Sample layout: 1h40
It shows 10h14
